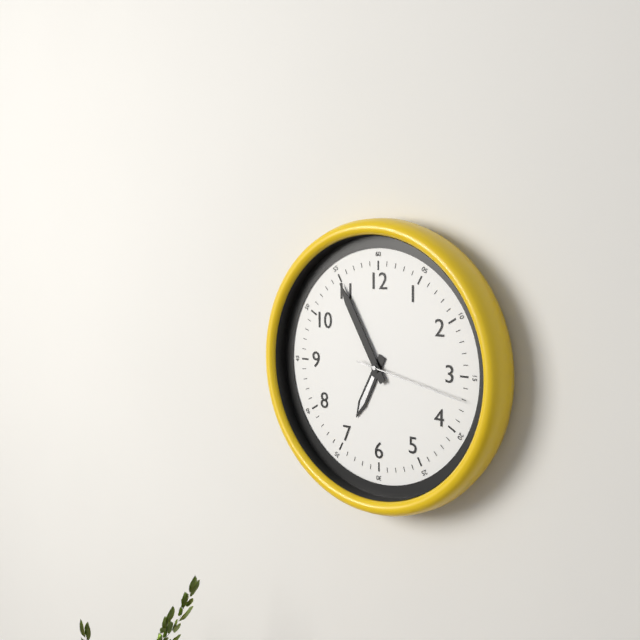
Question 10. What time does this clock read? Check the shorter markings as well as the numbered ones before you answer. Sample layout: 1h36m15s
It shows 6h55m17s
